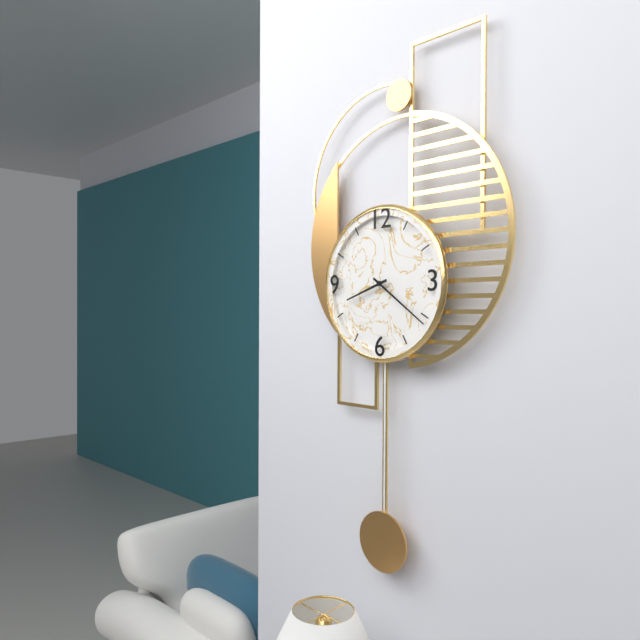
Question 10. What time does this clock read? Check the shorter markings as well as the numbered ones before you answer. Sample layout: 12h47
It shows 8h21
